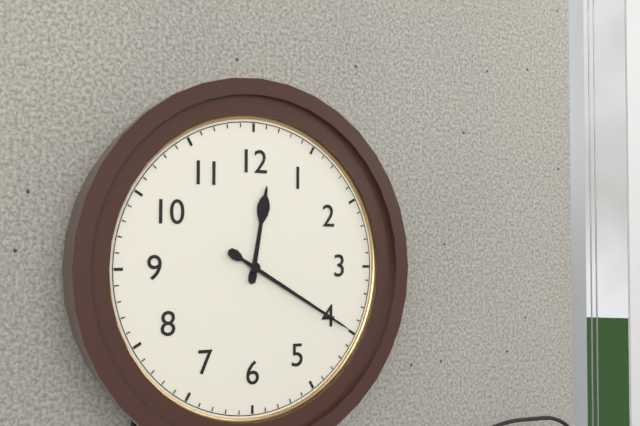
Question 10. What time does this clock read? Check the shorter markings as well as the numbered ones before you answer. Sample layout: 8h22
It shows 12h20
